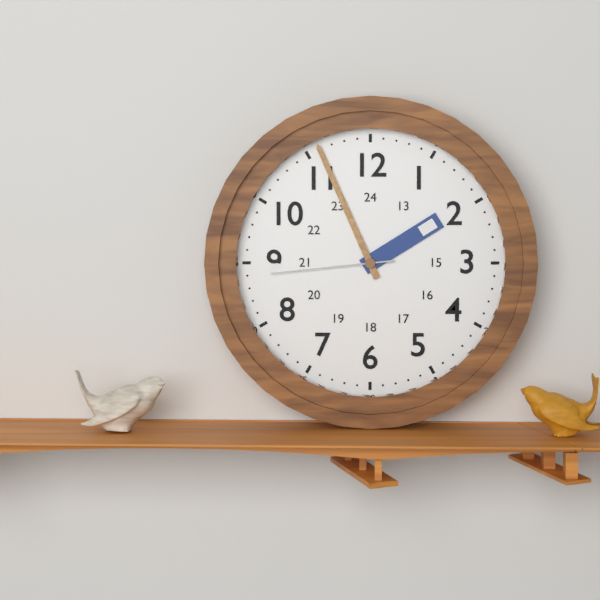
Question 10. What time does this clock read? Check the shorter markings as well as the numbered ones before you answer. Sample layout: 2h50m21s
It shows 1h56m44s
